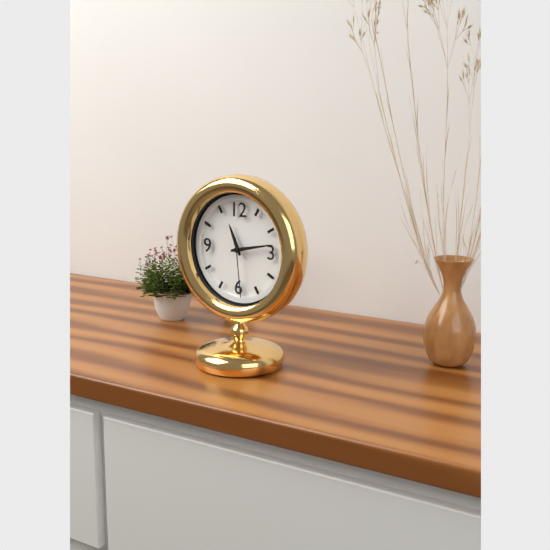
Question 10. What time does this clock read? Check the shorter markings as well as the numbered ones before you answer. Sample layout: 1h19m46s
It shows 11h13m29s
